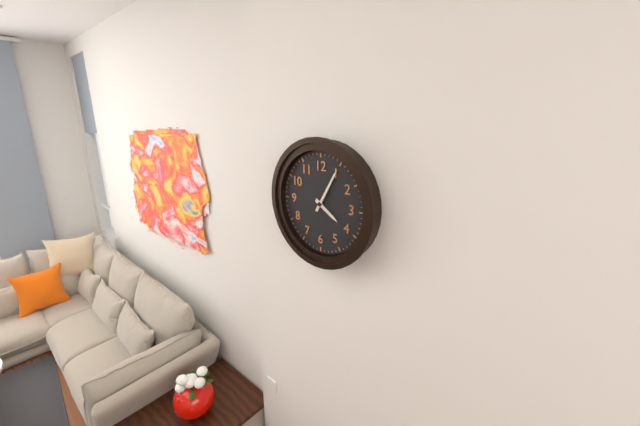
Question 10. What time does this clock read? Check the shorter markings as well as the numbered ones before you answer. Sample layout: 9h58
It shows 4h05
